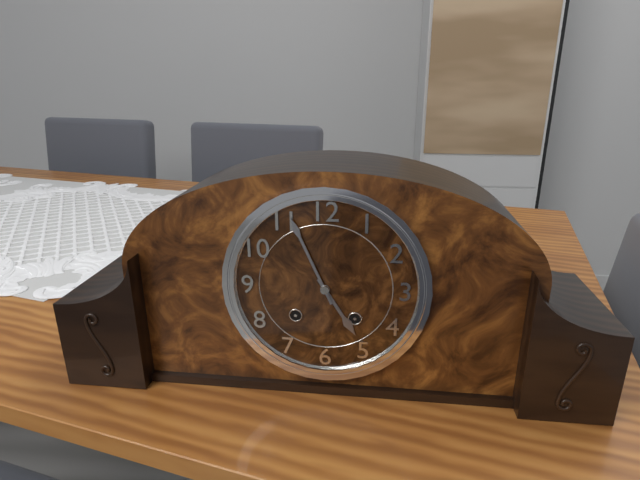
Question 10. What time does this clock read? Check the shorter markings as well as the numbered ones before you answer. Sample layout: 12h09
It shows 4h56
